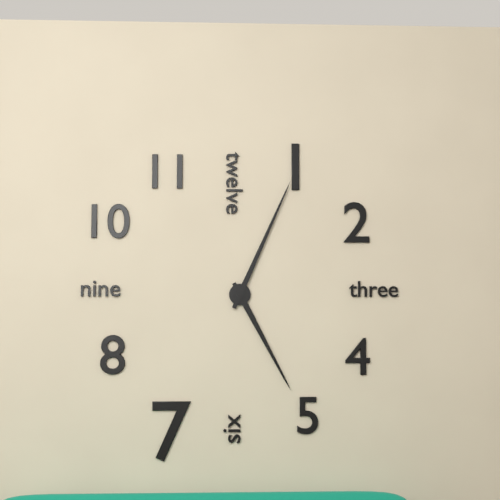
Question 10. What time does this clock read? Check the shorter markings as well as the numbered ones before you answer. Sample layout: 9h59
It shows 5h04
